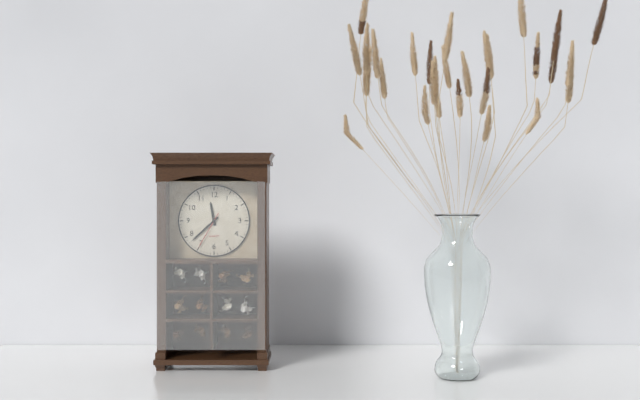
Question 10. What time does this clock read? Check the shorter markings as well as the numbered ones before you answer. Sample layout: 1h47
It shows 11h38
